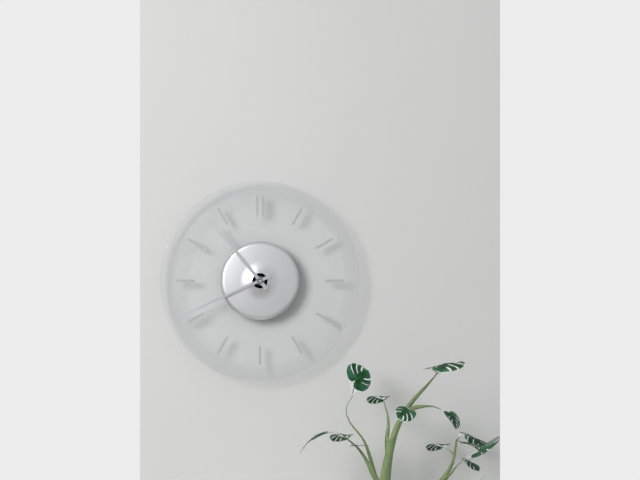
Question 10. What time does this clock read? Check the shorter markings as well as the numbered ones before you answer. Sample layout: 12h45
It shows 10h41
